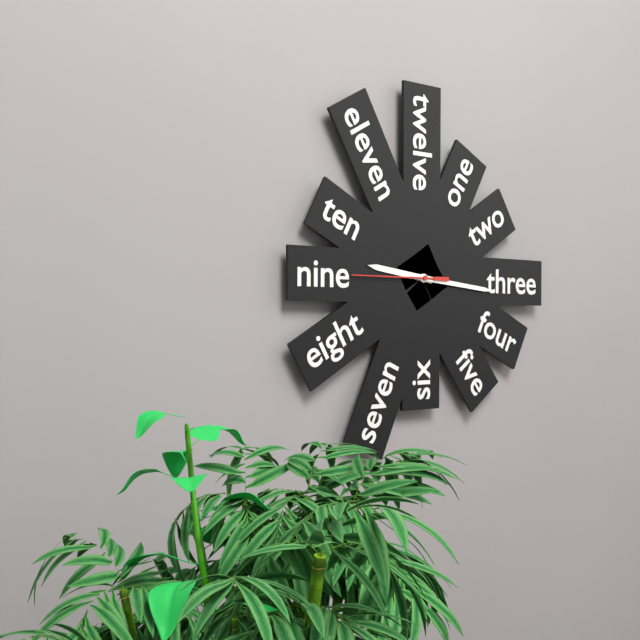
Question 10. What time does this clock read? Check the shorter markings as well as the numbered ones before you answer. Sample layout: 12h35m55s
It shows 9h16m45s
